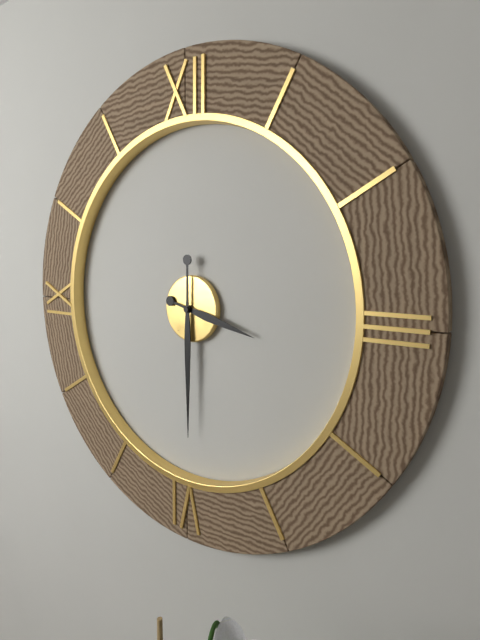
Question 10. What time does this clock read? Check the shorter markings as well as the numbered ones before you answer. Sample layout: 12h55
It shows 3h30
